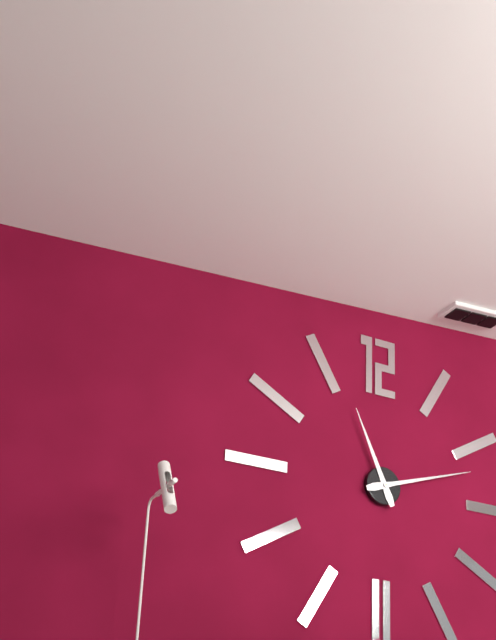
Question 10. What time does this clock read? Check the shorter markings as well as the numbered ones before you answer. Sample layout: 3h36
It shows 11h12
